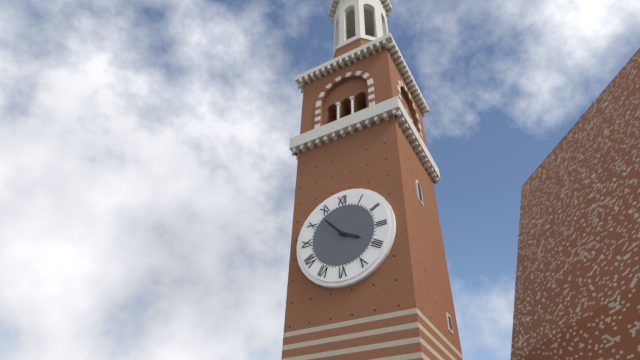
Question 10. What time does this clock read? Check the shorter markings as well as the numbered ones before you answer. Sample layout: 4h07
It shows 3h53
